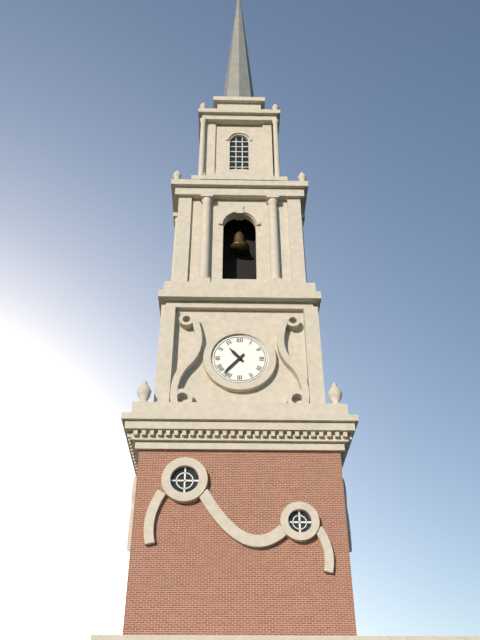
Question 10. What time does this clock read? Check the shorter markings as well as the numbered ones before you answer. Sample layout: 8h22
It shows 10h37
